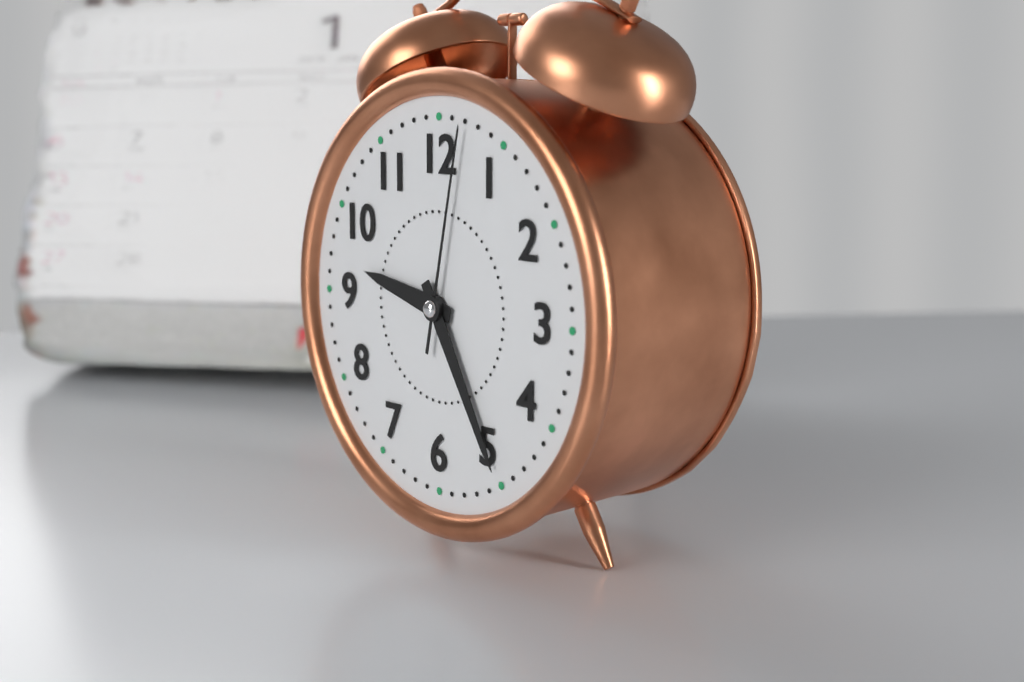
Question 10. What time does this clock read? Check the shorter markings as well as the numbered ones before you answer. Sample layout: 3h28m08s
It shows 9h25m02s
